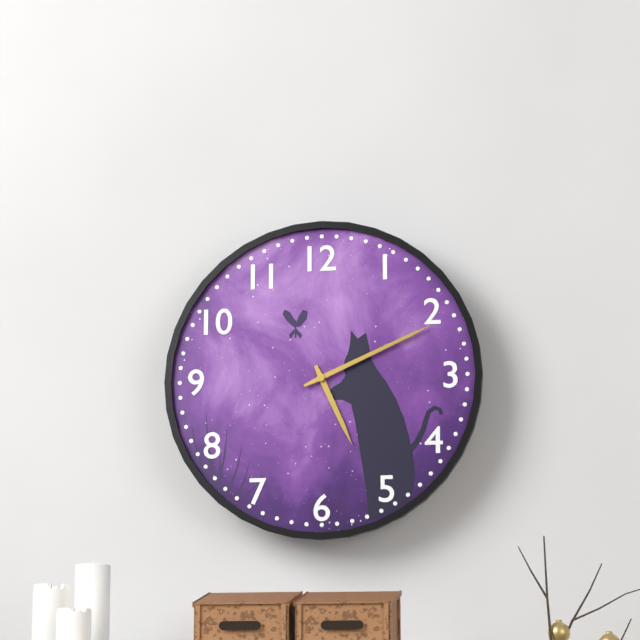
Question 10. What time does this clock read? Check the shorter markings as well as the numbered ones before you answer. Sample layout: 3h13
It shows 5h11
